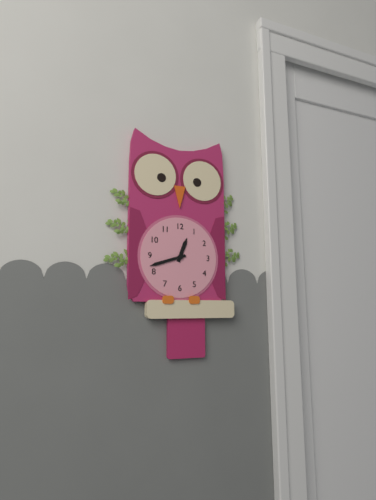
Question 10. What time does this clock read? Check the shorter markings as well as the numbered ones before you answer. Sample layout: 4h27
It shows 12h42
